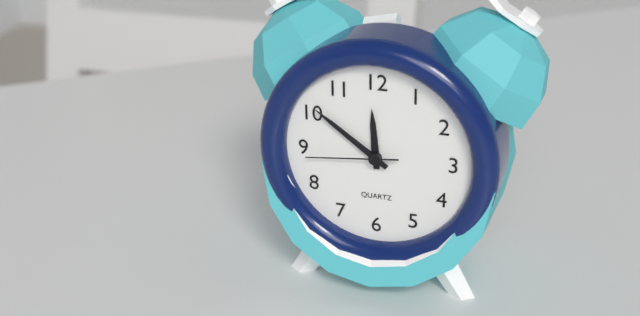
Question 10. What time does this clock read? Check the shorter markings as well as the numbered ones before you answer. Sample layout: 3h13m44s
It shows 11h51m44s
